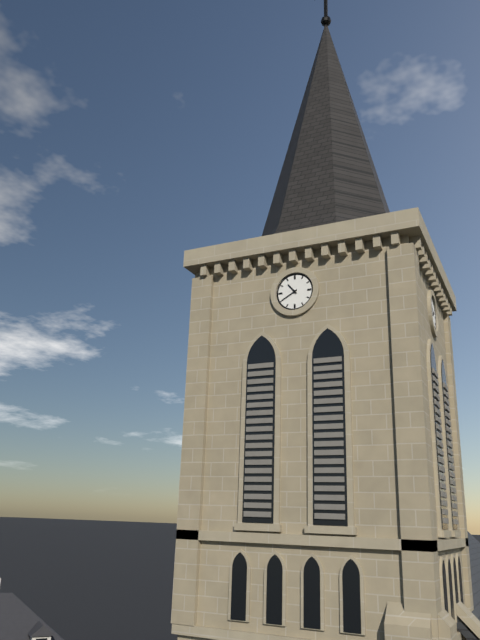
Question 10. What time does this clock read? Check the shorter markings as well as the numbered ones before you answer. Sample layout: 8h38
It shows 10h40
